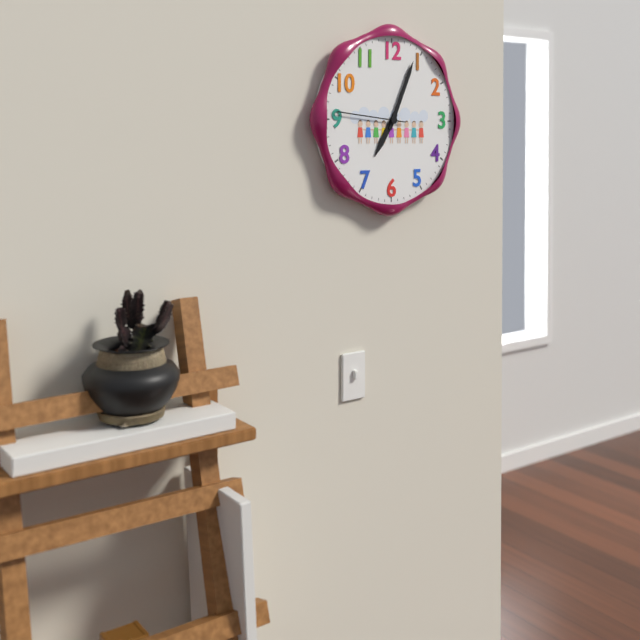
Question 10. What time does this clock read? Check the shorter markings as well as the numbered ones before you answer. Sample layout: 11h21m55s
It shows 7h04m46s
